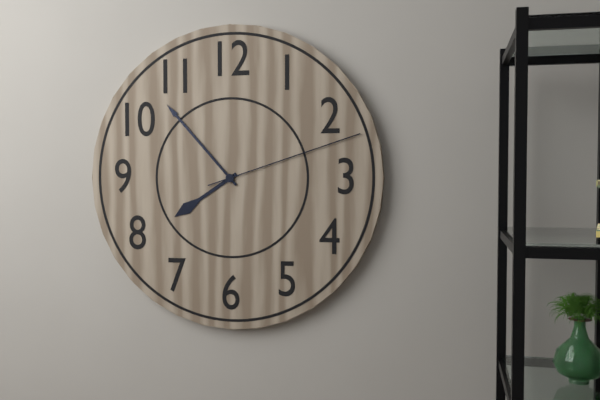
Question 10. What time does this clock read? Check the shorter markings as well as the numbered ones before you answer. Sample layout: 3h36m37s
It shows 7h53m12s
